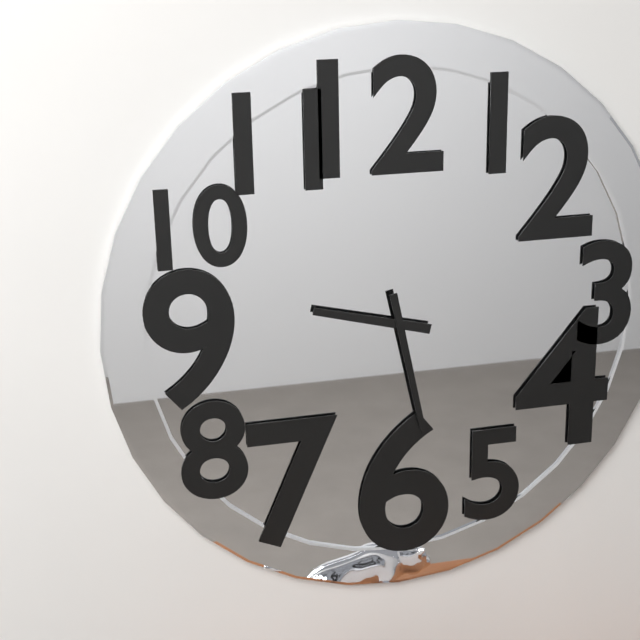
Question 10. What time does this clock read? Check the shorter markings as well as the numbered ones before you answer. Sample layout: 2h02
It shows 9h28
